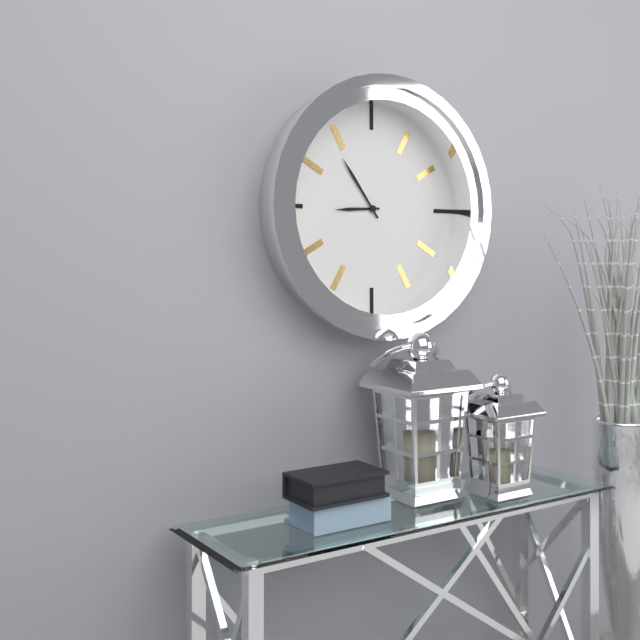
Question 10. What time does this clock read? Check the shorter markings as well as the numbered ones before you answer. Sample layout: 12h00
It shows 8h54
